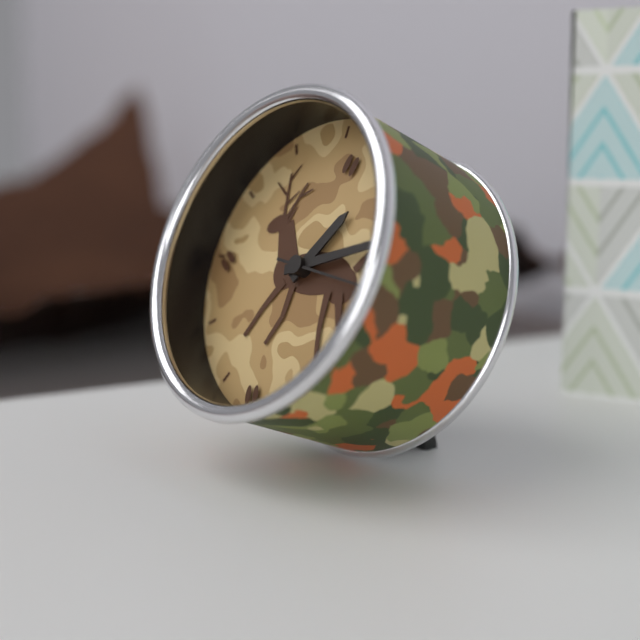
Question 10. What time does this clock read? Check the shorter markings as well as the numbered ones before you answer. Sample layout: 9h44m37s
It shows 1h12m16s
